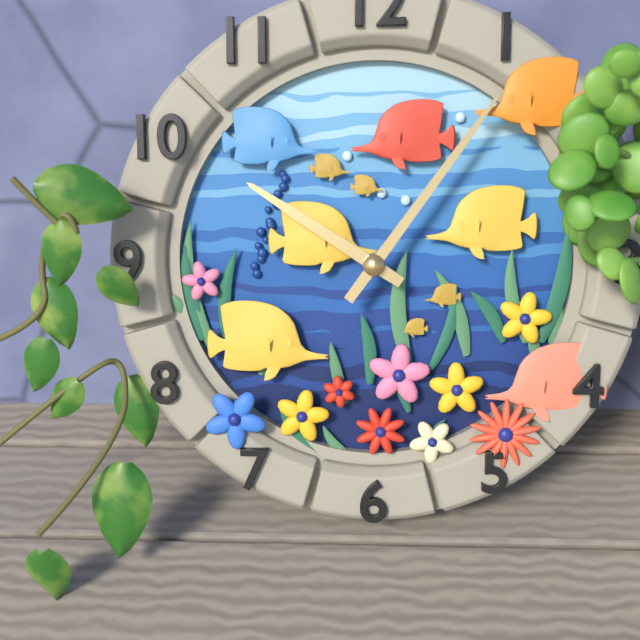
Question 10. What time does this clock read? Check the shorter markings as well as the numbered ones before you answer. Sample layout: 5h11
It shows 10h06
